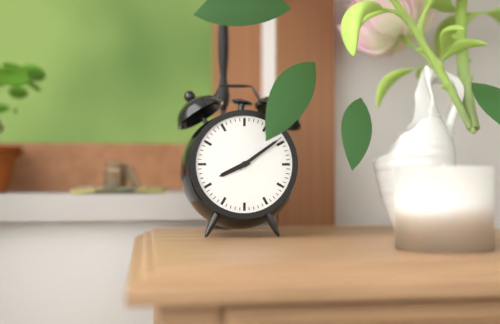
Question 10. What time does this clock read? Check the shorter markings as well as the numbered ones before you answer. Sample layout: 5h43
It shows 8h09
